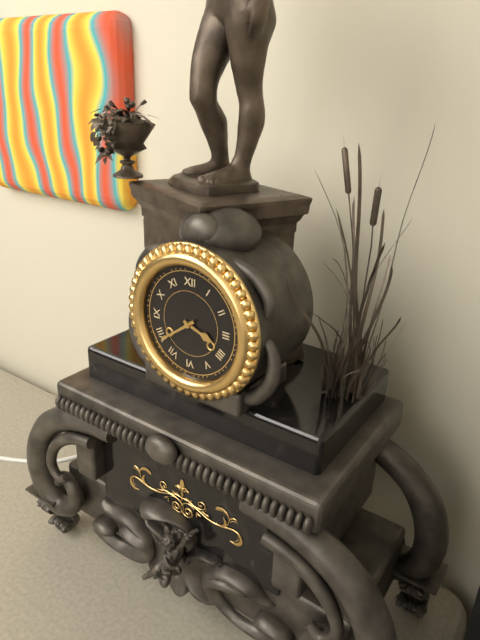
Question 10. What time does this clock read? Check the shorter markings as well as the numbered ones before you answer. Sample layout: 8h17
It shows 3h39
